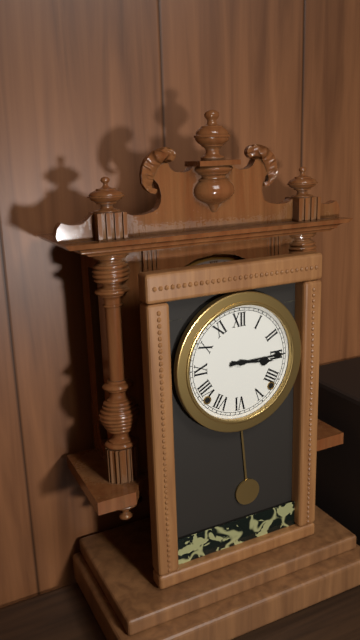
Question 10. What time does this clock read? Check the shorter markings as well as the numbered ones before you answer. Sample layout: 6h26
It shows 3h15
